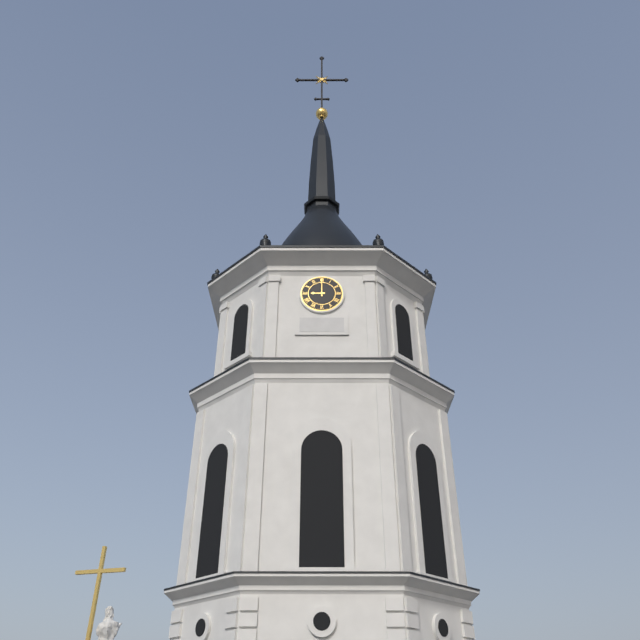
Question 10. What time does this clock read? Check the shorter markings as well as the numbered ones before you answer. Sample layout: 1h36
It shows 9h00
